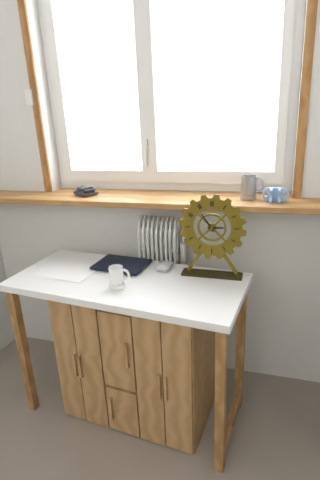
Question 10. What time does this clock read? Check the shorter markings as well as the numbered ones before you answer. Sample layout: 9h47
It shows 2h54
